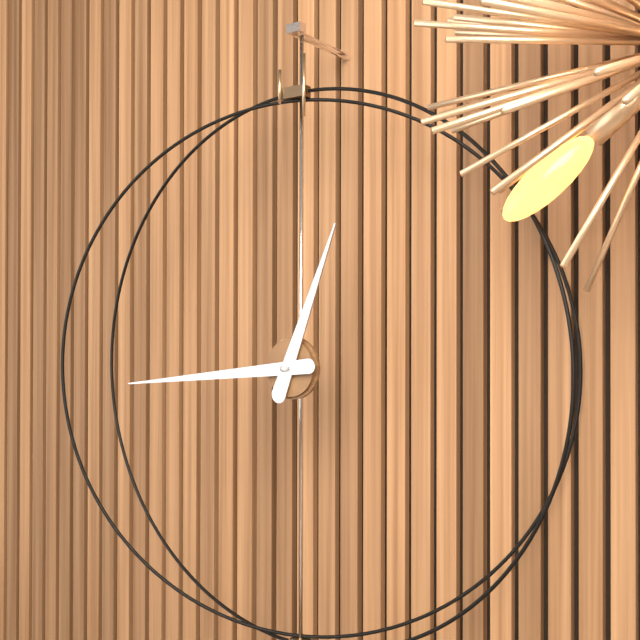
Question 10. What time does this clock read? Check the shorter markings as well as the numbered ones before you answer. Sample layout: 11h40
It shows 12h44
